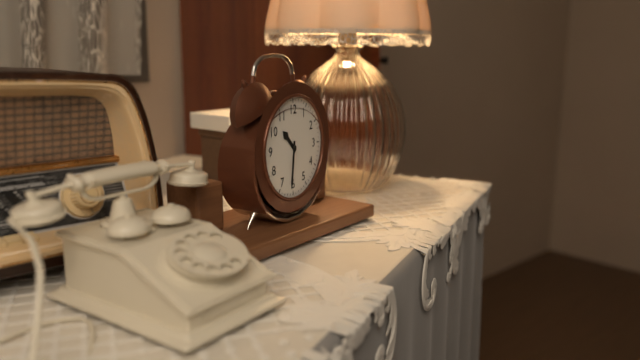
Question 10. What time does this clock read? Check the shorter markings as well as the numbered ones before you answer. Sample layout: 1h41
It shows 10h31
